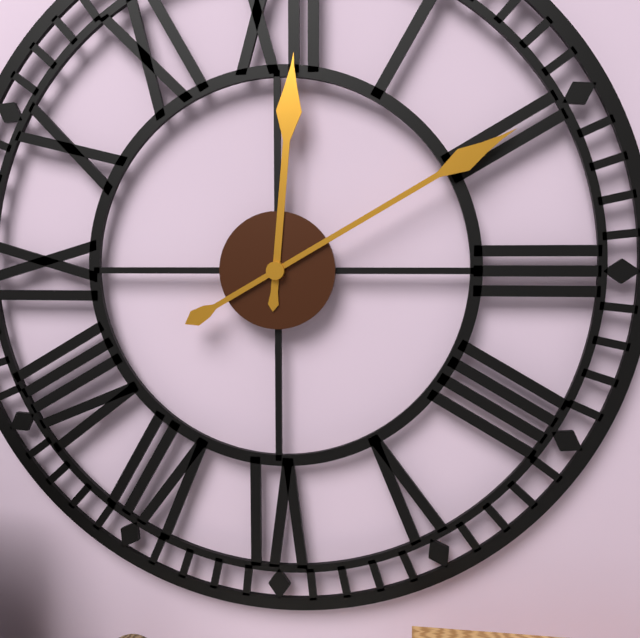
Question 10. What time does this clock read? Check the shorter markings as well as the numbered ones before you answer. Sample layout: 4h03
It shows 12h10
